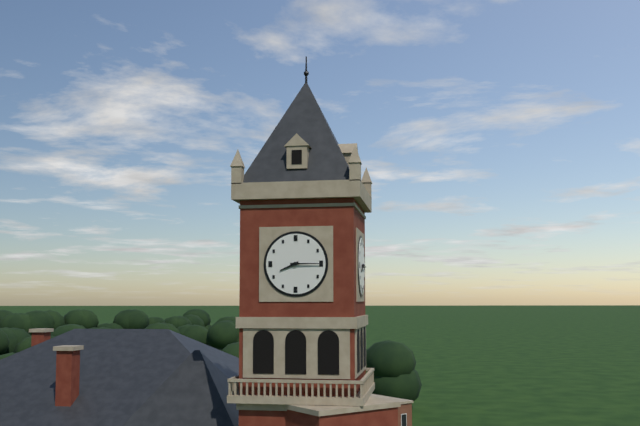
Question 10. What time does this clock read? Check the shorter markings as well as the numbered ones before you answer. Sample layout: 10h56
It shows 8h15
